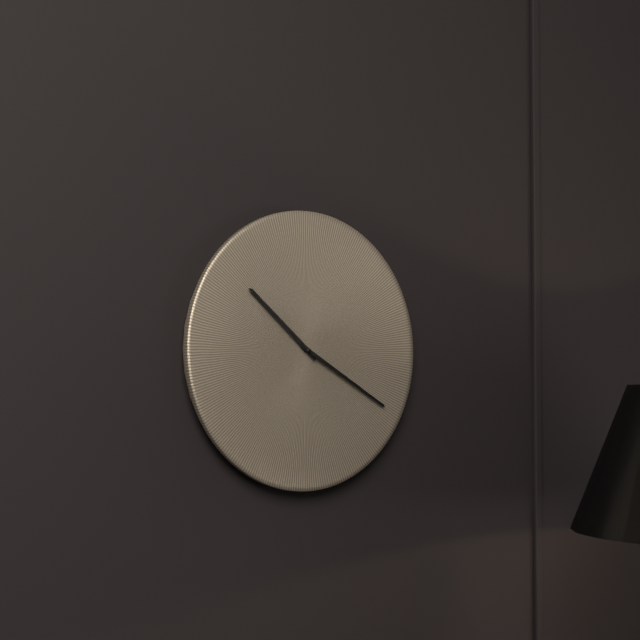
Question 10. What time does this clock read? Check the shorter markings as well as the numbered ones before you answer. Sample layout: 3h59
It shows 10h20
